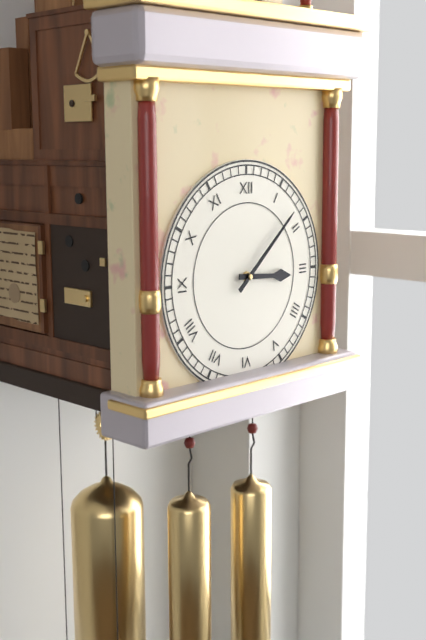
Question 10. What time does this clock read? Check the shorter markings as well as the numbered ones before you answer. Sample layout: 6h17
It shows 3h08
